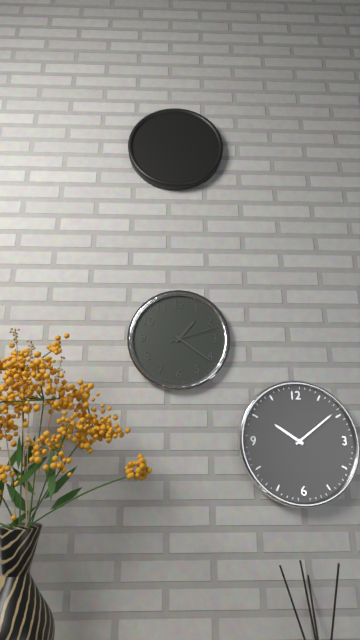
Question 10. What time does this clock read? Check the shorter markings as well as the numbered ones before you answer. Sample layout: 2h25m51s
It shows 1h21m12s
